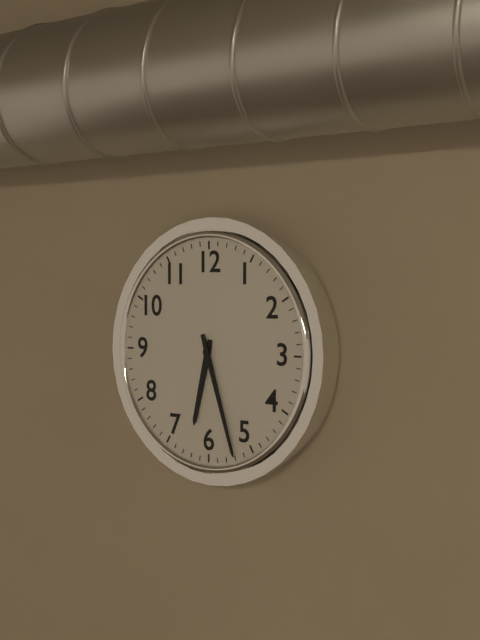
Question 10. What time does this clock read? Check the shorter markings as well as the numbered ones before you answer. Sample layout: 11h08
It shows 6h27
